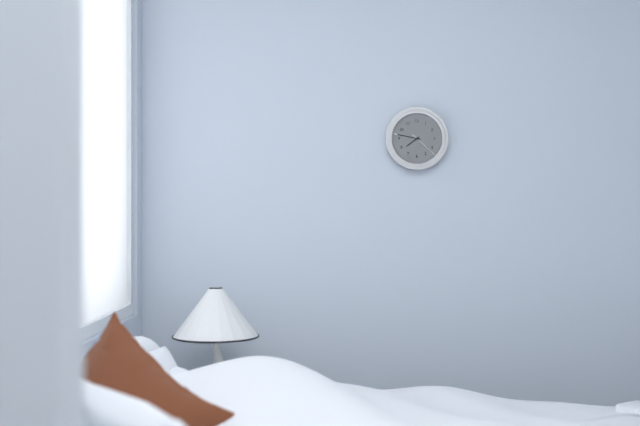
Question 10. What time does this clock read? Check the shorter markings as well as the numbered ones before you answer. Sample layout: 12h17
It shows 7h47
